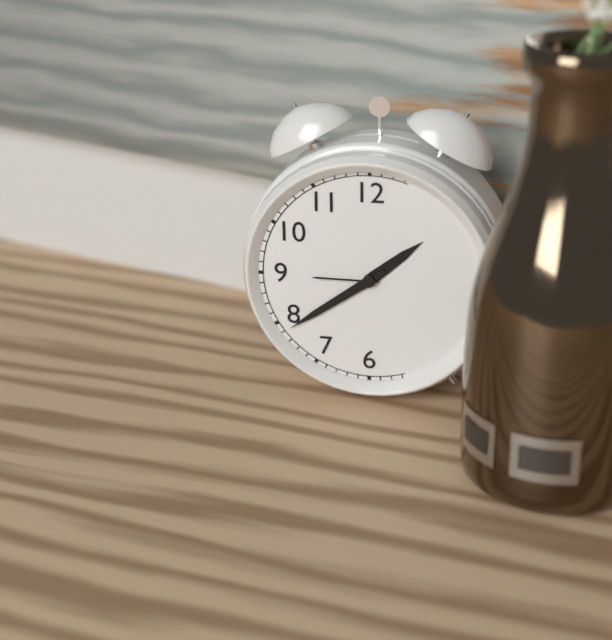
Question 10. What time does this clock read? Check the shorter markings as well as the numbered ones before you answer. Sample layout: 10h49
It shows 1h39
